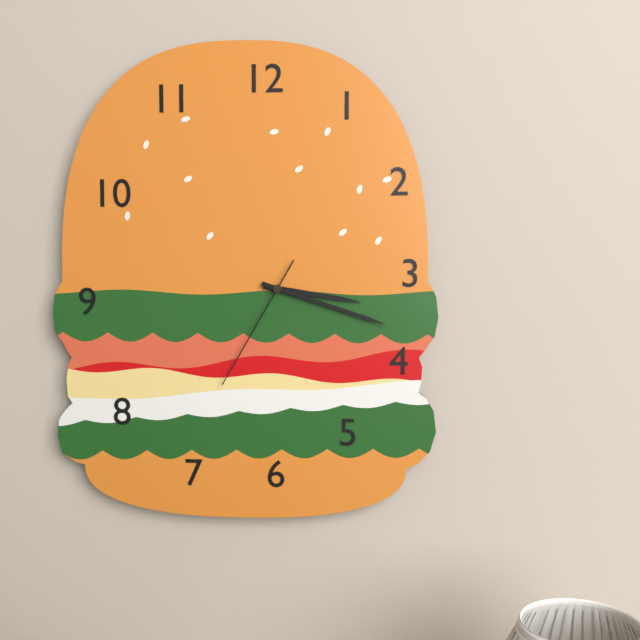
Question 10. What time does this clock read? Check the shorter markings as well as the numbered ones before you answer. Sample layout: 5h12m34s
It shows 3h18m35s
